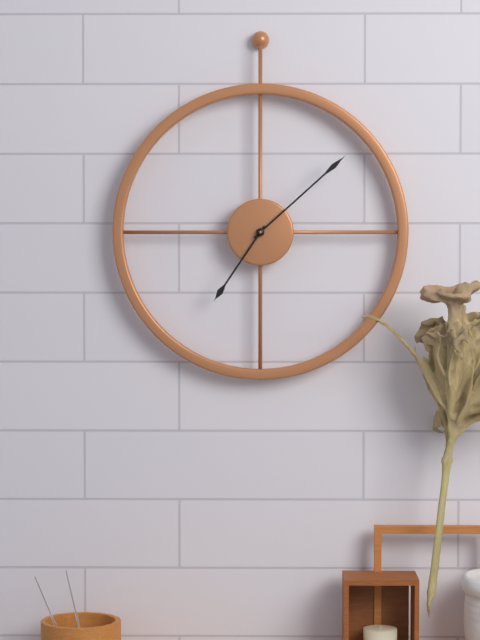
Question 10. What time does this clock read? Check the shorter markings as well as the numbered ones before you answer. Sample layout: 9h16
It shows 7h08
